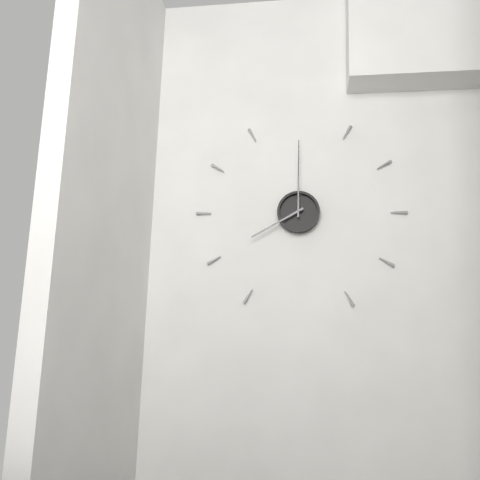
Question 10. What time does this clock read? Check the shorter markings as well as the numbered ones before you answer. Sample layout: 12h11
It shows 8h00
